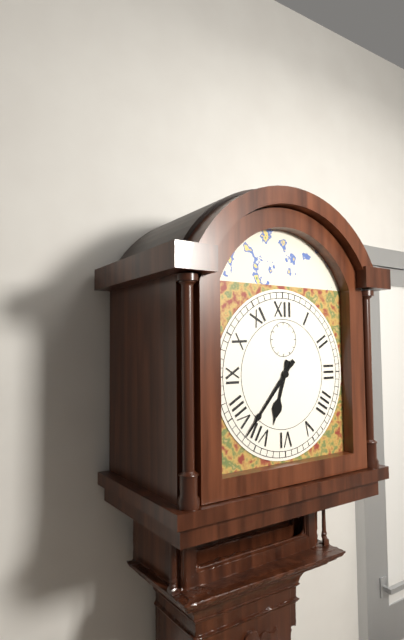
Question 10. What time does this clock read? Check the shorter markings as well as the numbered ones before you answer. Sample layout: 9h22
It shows 6h37
